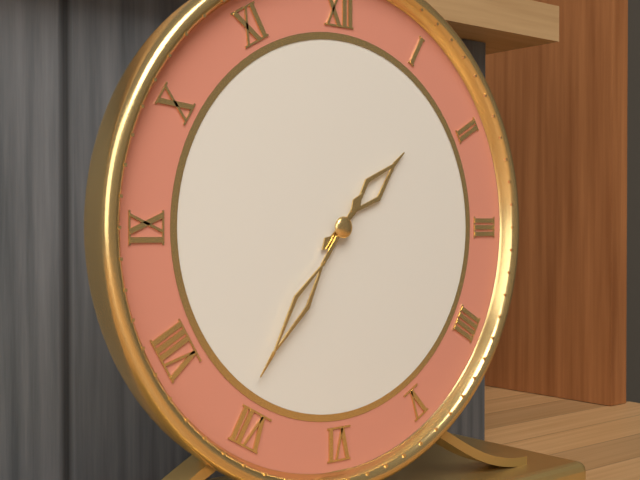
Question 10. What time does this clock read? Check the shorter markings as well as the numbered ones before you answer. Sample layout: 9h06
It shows 1h36
